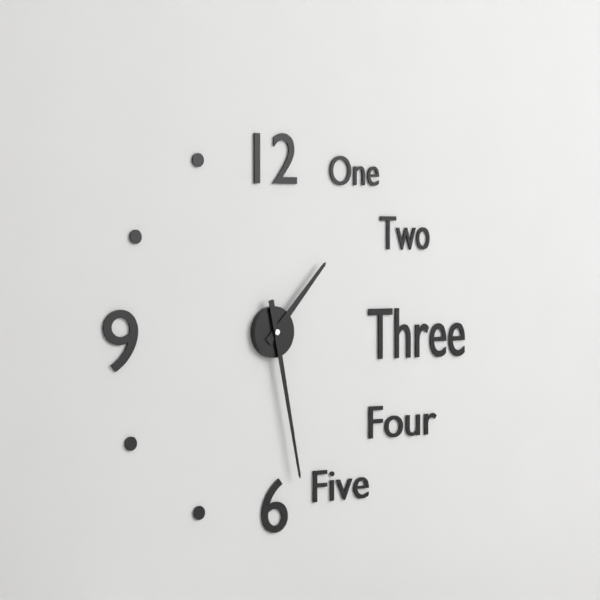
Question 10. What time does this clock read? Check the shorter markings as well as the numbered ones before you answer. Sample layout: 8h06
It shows 1h28
